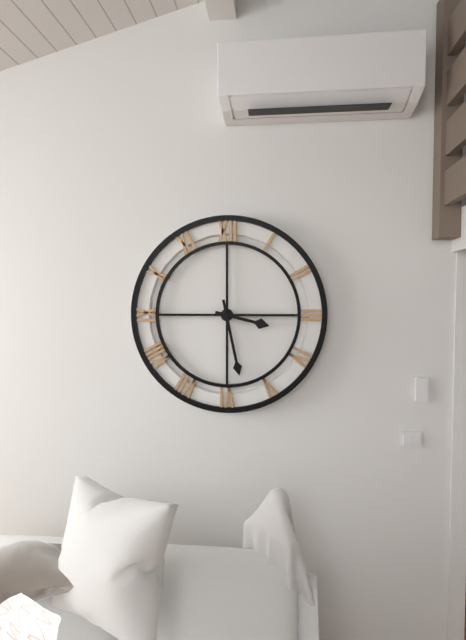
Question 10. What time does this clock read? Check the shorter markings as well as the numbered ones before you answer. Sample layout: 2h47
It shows 3h28
